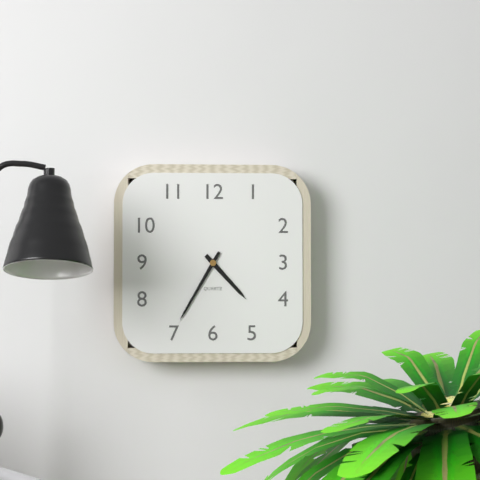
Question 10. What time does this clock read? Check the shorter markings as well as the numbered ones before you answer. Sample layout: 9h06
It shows 4h35
